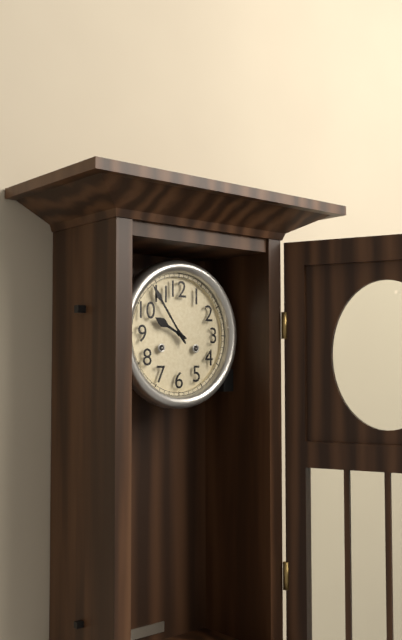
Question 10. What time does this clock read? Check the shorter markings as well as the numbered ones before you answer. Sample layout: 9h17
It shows 9h54
